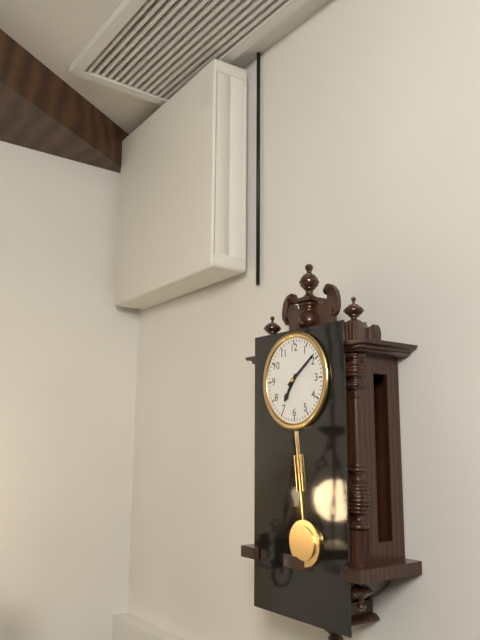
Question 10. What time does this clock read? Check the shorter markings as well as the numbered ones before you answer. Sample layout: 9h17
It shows 7h09
